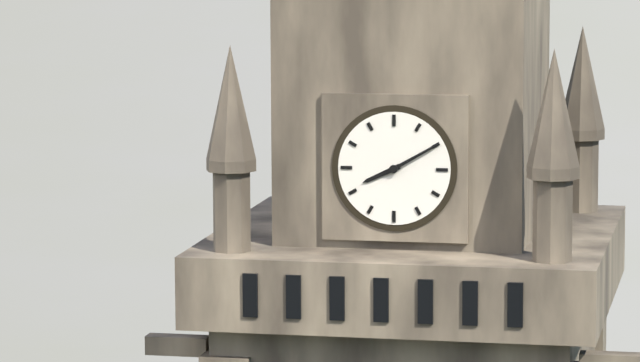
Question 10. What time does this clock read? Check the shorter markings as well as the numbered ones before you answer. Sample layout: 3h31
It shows 8h10
